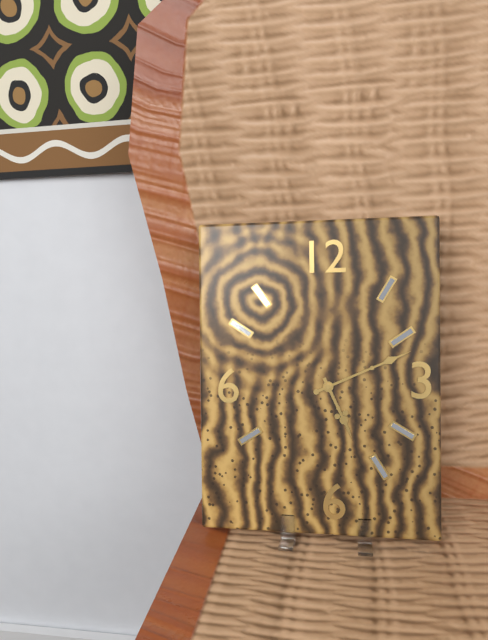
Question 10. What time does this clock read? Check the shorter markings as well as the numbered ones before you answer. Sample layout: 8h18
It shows 5h11
